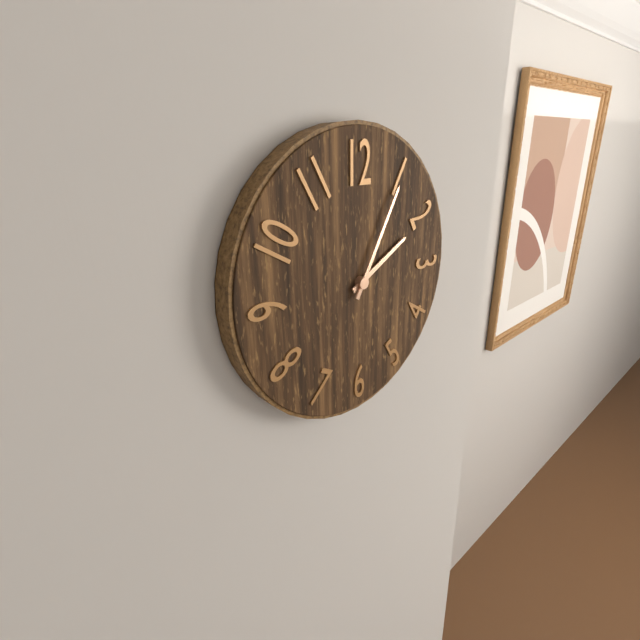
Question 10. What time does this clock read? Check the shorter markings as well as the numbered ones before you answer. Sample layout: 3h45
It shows 2h05
